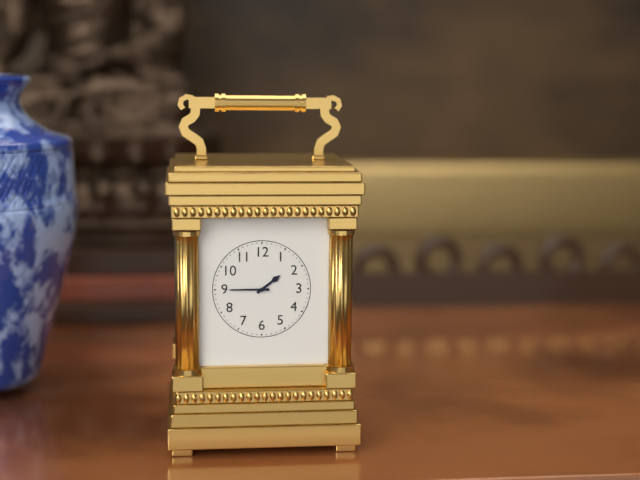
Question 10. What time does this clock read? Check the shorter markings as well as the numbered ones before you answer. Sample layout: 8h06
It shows 1h45
